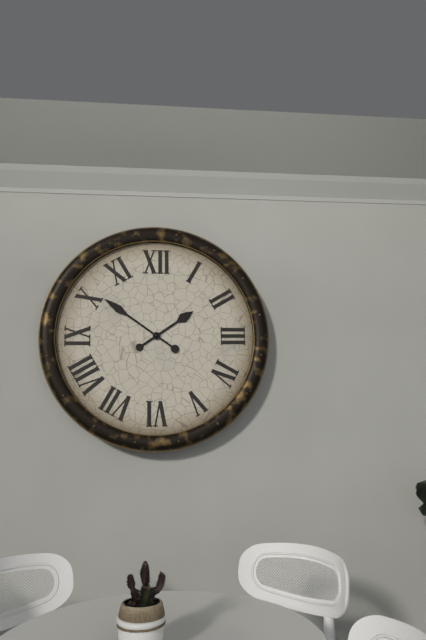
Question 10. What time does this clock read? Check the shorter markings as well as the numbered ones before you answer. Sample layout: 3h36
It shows 1h51
